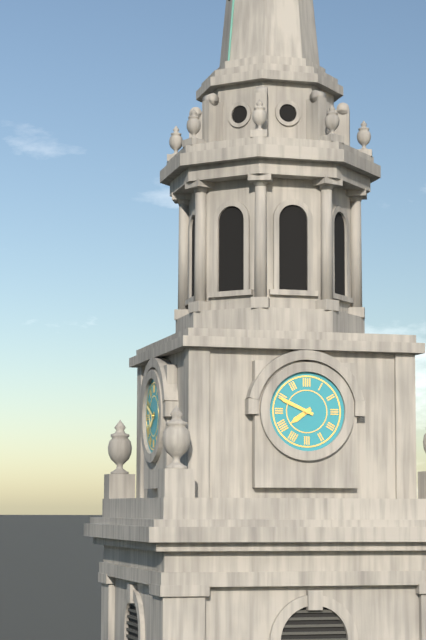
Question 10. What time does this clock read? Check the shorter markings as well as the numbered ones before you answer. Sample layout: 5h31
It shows 7h49
